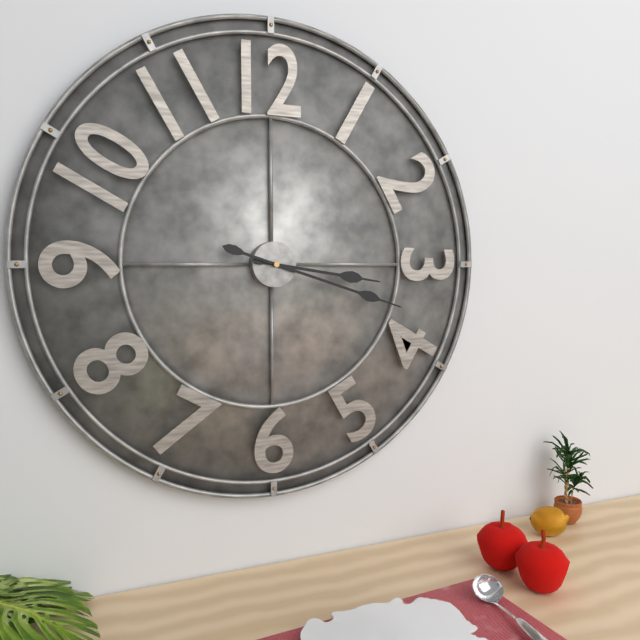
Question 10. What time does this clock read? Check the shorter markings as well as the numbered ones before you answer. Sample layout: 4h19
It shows 3h18
